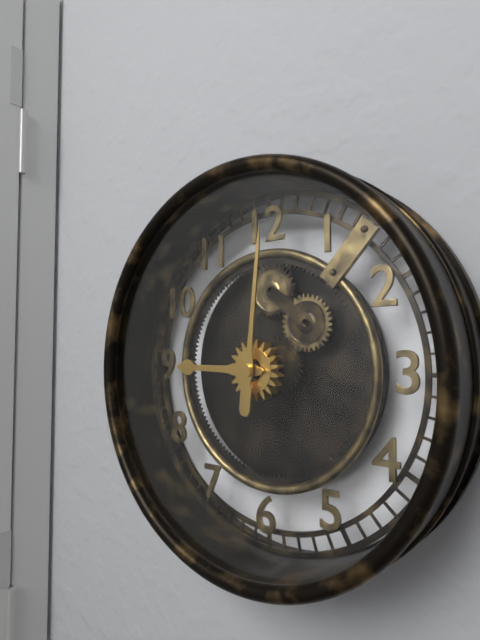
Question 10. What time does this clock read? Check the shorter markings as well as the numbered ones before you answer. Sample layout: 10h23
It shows 9h01
